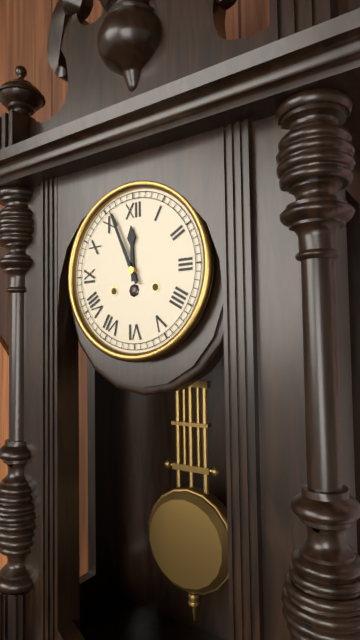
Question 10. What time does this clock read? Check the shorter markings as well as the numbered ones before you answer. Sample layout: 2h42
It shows 11h56
